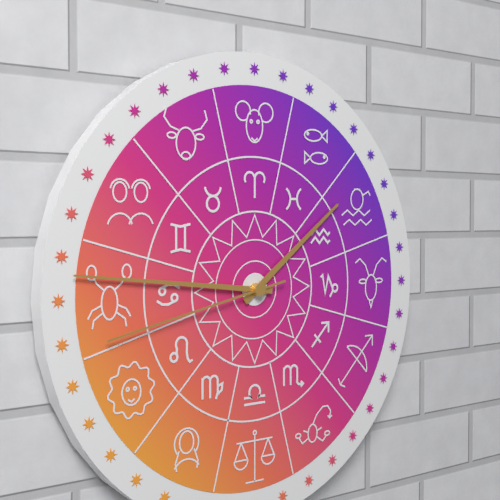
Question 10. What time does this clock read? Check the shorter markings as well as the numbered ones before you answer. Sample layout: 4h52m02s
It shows 1h46m43s
